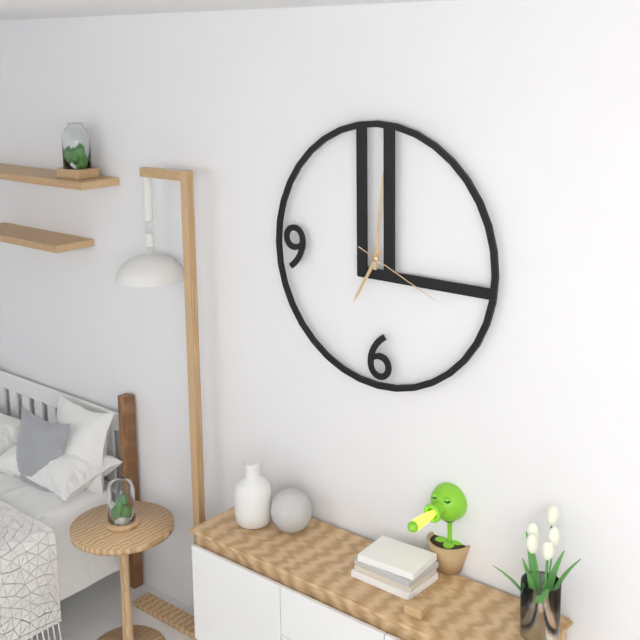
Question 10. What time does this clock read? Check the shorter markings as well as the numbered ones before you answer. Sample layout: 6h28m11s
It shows 7h01m19s
